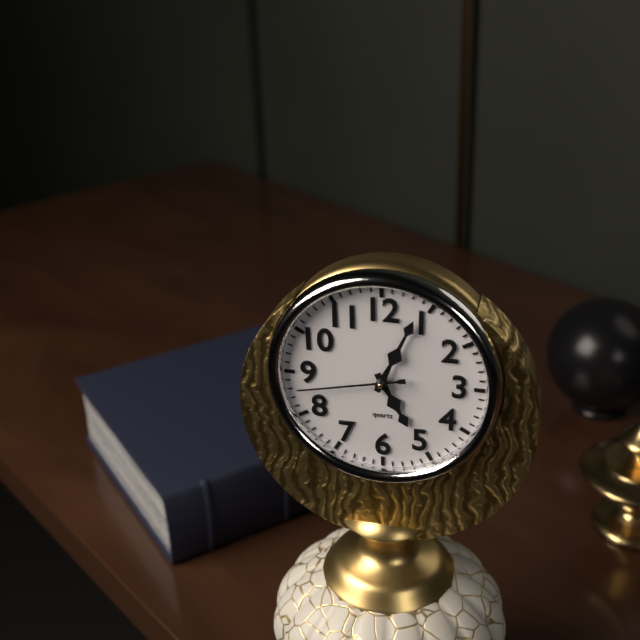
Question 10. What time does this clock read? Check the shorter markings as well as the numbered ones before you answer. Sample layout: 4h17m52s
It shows 5h04m43s
